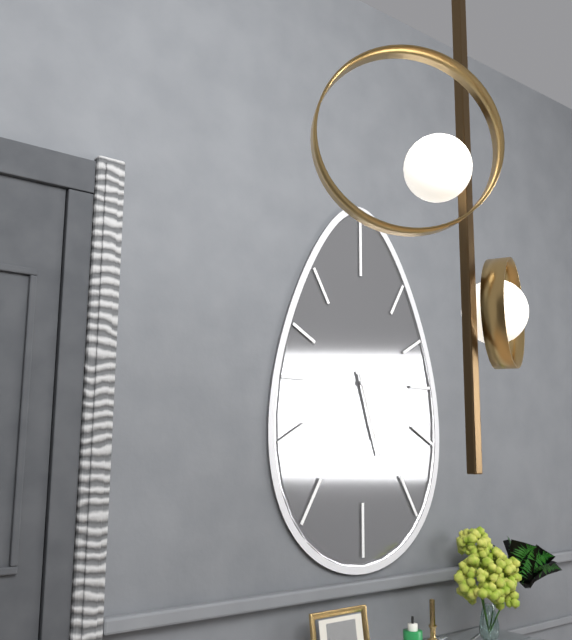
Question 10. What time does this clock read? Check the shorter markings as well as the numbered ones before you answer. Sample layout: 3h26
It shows 5h27
